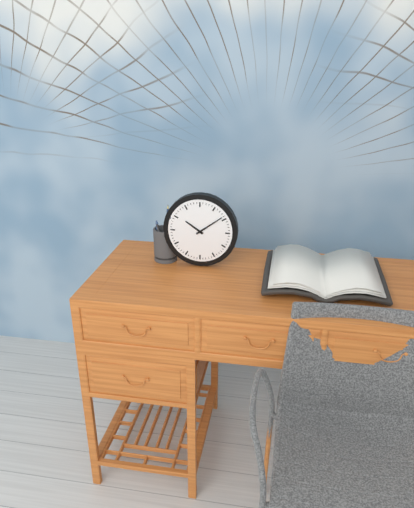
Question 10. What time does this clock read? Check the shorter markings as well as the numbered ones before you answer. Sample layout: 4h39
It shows 10h09
